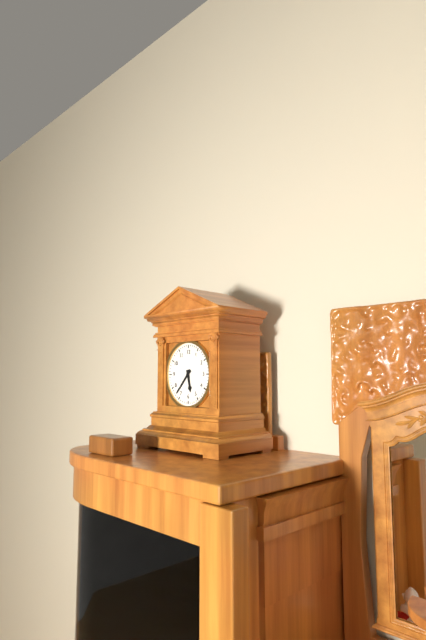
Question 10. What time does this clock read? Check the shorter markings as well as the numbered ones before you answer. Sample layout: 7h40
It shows 5h37
